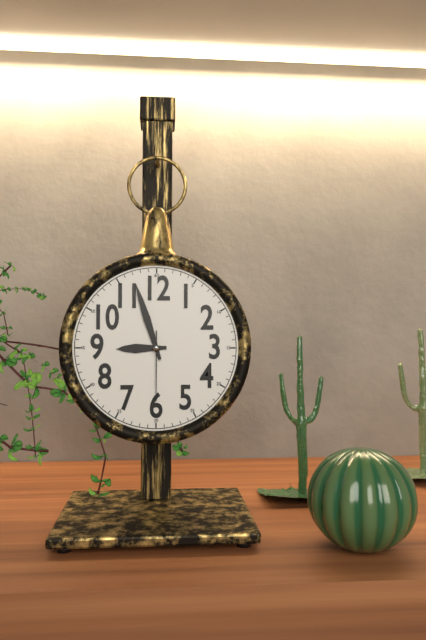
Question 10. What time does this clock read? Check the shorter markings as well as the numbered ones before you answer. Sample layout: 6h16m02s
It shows 8h57m30s
